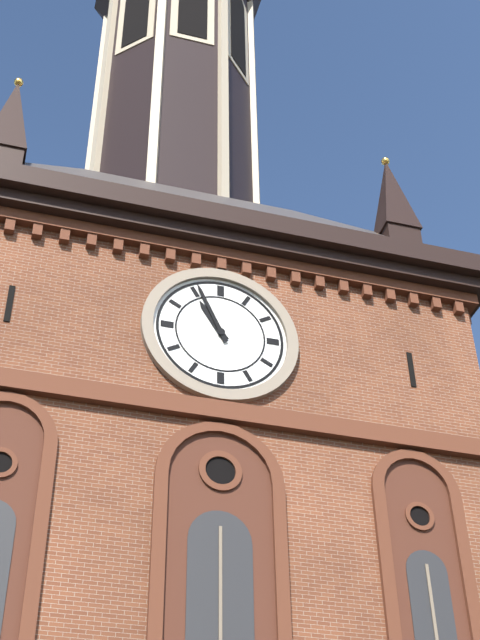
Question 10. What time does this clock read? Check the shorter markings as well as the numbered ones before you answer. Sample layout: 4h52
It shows 10h56
